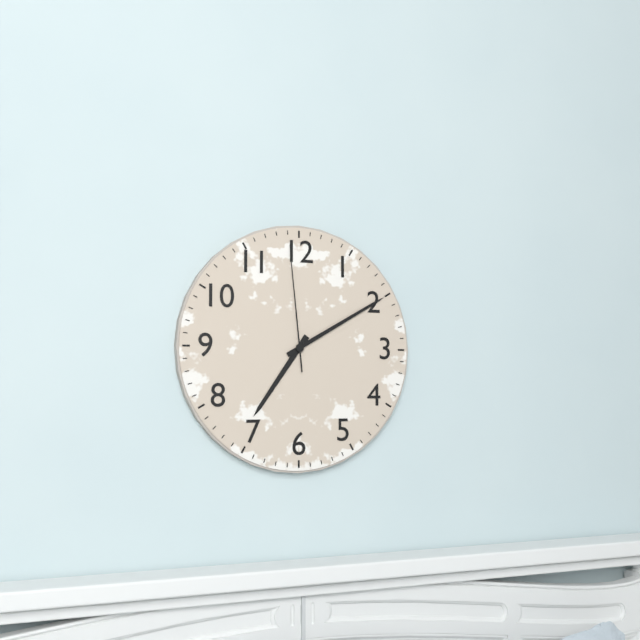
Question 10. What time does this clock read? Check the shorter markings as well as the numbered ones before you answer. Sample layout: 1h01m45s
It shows 7h10m59s
